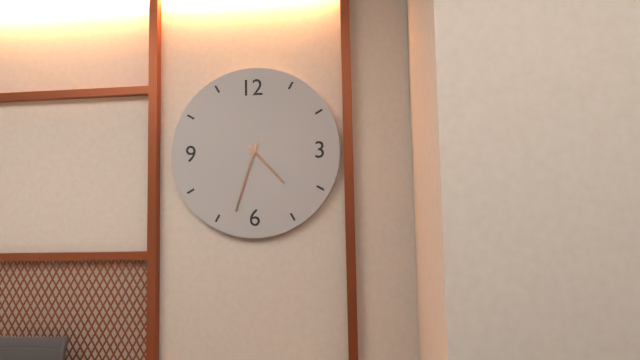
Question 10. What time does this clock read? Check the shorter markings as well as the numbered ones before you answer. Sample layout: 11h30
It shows 4h33
